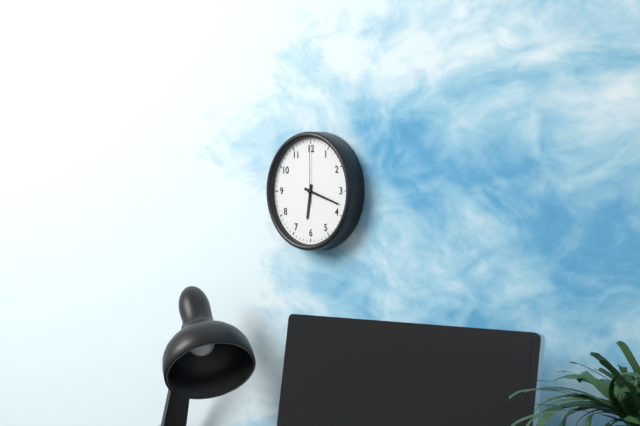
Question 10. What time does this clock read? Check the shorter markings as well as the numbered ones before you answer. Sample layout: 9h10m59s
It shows 6h18m00s
